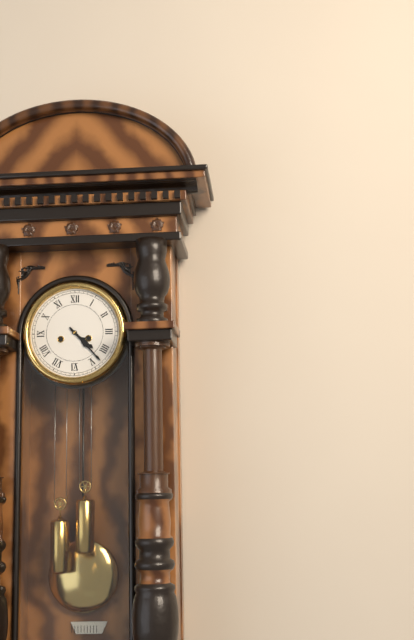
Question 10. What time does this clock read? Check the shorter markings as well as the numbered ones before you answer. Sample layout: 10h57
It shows 4h23
